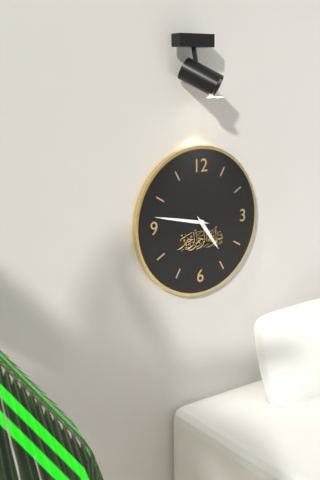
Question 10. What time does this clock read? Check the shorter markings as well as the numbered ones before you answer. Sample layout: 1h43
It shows 4h47
